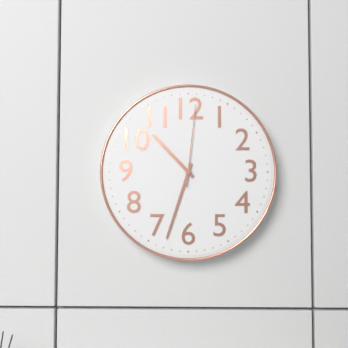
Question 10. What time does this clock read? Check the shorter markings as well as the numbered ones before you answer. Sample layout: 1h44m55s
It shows 10h33m01s
